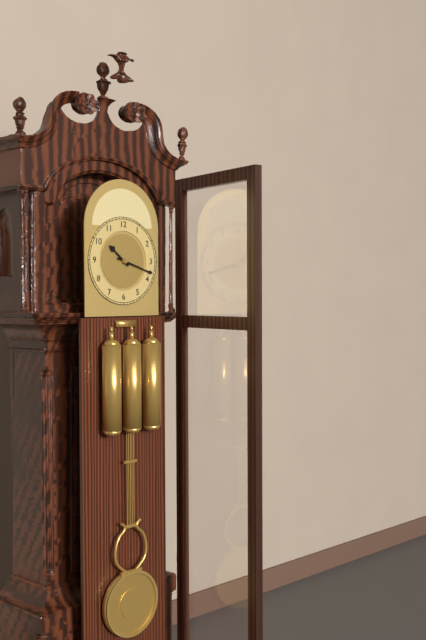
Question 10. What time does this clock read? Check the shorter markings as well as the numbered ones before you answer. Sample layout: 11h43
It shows 10h18
